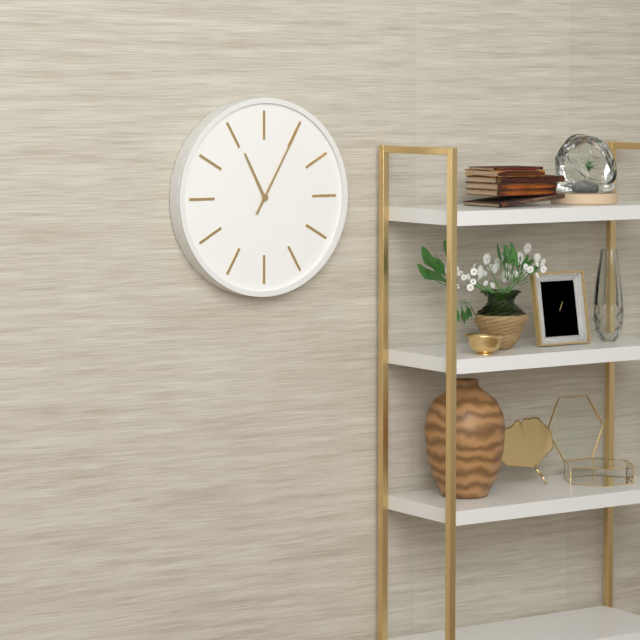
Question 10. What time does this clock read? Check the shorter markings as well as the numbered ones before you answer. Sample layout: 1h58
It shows 11h05
